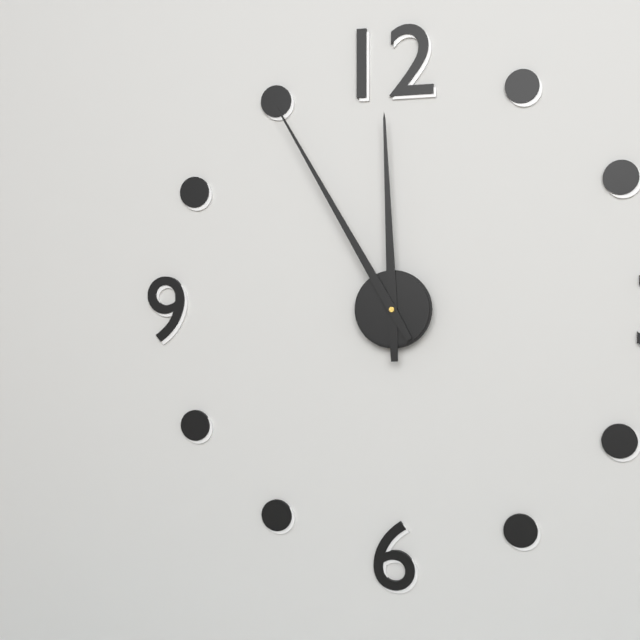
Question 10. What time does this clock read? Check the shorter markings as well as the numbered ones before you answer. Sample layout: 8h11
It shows 11h55
